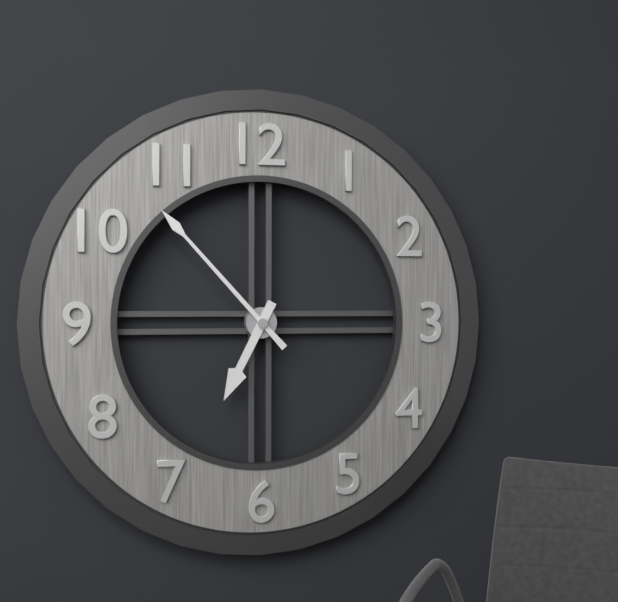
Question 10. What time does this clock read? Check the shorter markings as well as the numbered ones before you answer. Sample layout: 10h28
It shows 6h53
